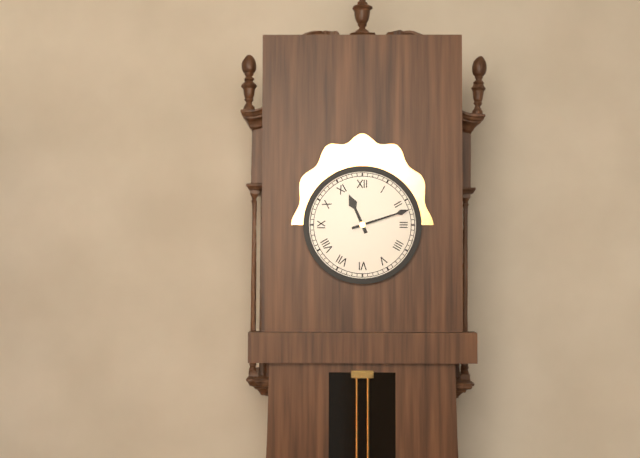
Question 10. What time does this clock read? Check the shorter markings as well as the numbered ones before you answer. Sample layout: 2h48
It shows 11h12
